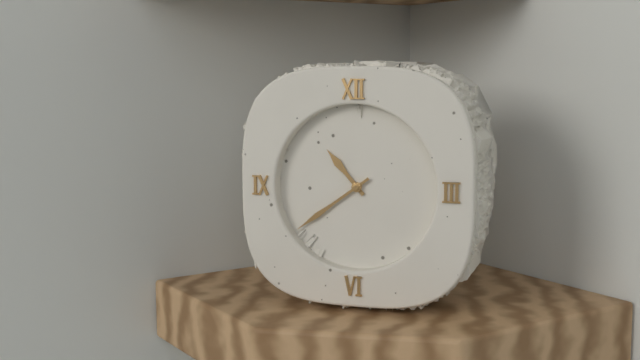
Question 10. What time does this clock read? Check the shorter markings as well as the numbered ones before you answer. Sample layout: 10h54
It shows 10h39
